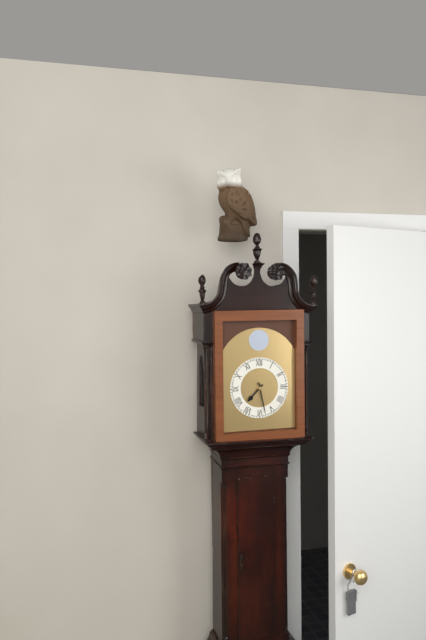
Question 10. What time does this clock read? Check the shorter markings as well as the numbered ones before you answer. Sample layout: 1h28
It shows 7h28
